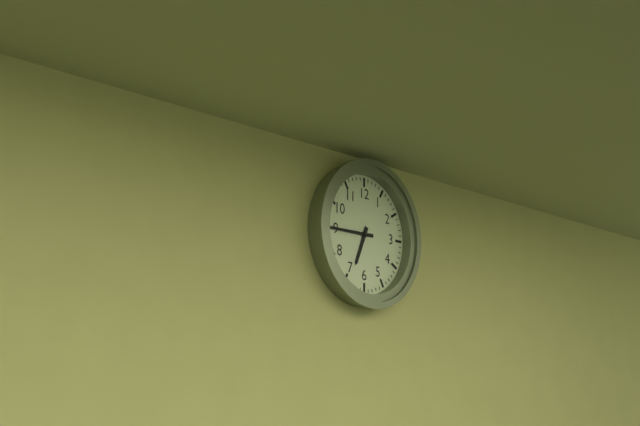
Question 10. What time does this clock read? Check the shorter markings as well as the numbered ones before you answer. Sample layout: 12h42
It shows 6h45
